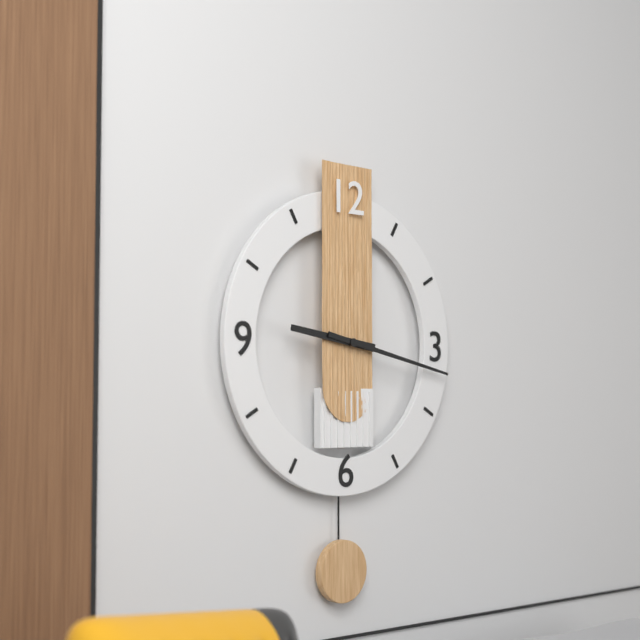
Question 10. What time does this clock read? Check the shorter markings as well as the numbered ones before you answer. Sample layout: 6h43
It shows 9h17
